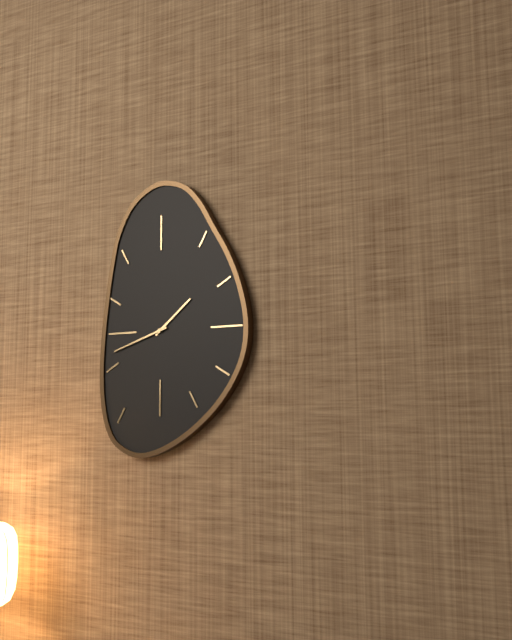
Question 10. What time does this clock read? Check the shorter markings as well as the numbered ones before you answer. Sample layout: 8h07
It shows 1h42
